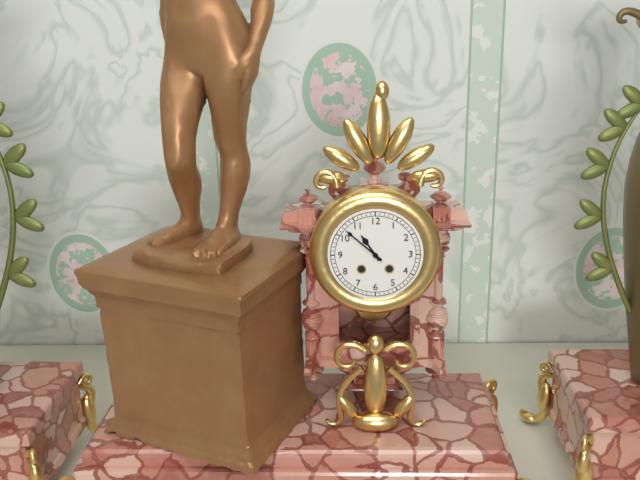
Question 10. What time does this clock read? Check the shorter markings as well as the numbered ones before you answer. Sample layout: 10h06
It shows 10h52
